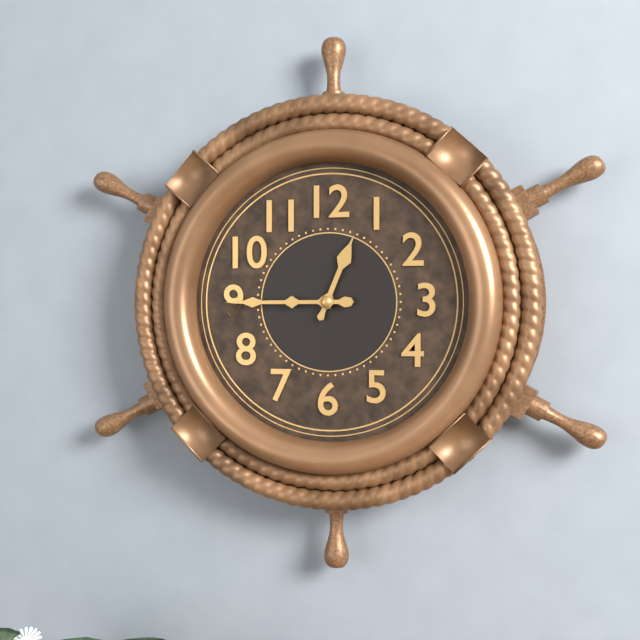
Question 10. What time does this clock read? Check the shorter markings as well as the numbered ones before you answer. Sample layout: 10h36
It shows 12h45
